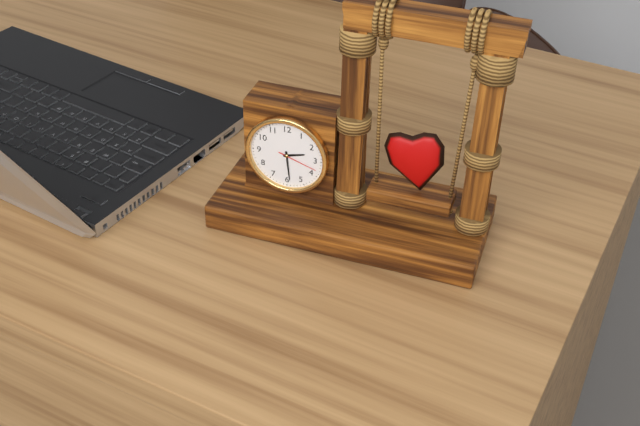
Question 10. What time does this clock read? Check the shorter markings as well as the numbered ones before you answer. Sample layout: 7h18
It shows 2h29
